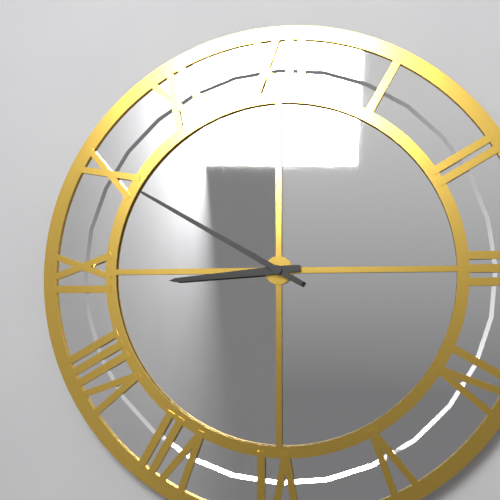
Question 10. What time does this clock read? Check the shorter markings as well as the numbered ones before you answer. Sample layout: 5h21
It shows 8h50
